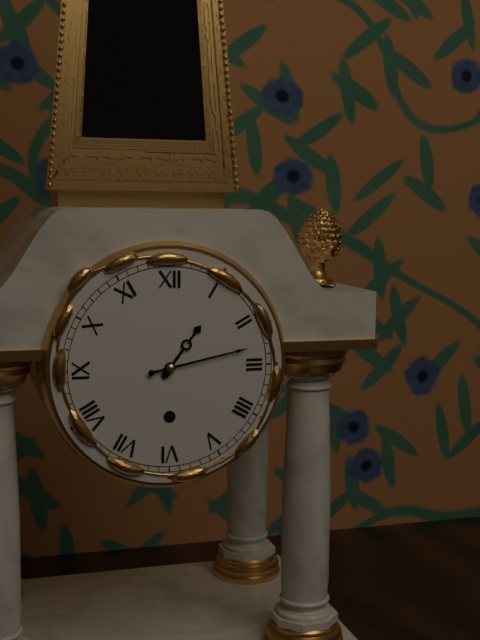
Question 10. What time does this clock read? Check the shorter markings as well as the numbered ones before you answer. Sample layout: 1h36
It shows 1h13
